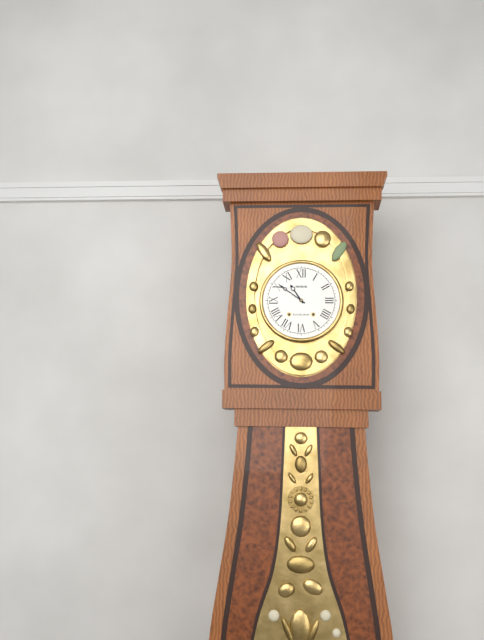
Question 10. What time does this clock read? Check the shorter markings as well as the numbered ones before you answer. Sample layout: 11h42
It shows 10h51
